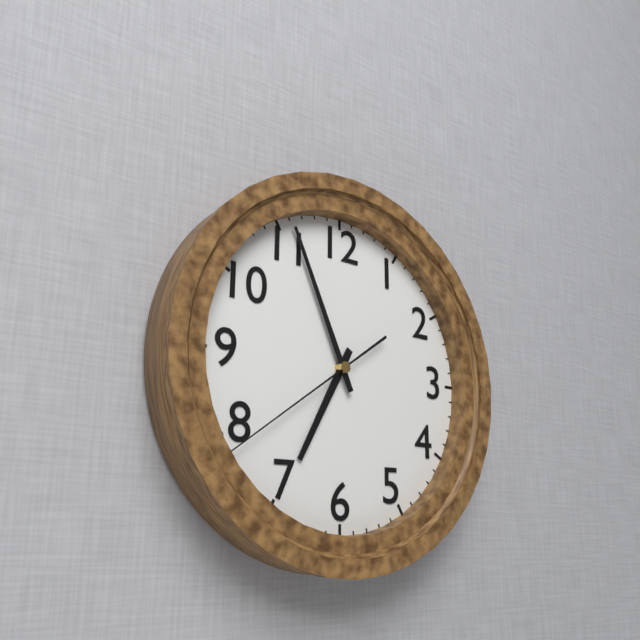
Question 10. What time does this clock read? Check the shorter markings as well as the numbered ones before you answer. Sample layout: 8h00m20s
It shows 6h56m39s
